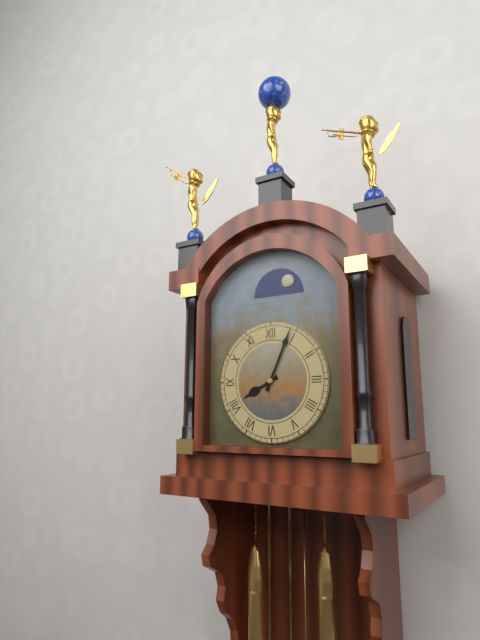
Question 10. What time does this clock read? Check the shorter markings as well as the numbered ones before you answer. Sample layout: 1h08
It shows 8h04
